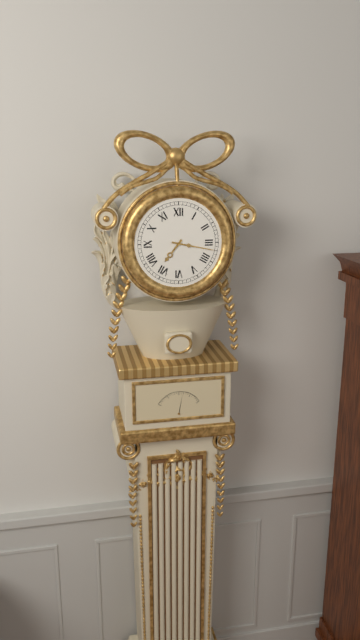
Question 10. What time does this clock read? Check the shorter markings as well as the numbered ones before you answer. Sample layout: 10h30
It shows 7h17
